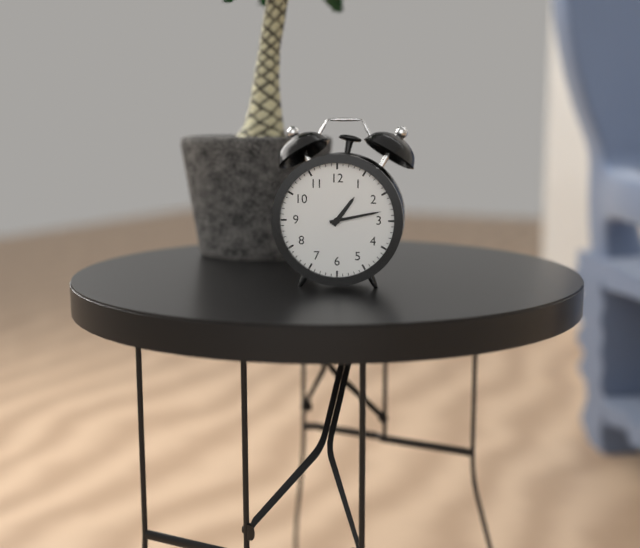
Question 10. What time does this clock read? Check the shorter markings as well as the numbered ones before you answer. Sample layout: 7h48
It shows 1h13
